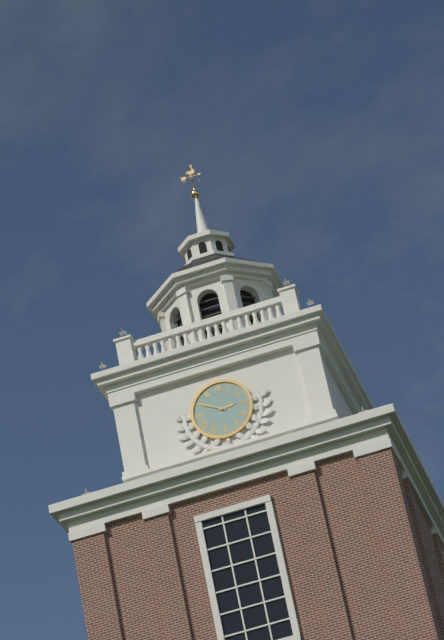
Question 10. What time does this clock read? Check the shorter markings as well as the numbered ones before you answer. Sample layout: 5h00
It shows 2h50
